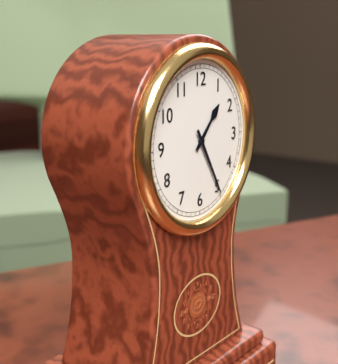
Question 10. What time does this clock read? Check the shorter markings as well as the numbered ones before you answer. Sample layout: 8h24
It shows 1h25
